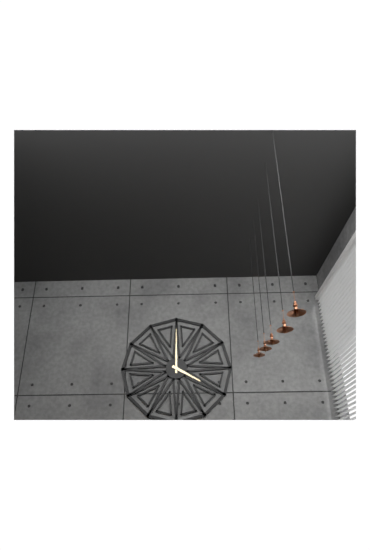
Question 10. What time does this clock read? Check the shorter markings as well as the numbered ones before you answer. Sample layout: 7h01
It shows 4h00
